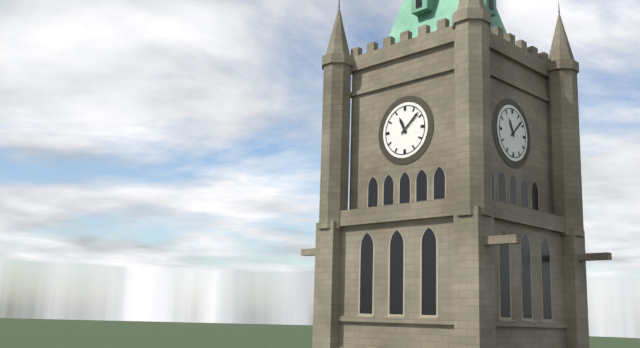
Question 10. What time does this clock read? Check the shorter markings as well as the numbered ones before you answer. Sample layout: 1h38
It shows 11h08
